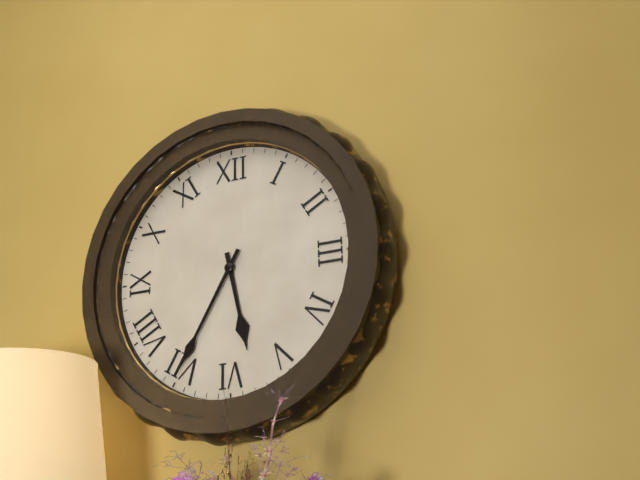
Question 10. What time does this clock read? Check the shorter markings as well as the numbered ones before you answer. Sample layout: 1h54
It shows 5h35
